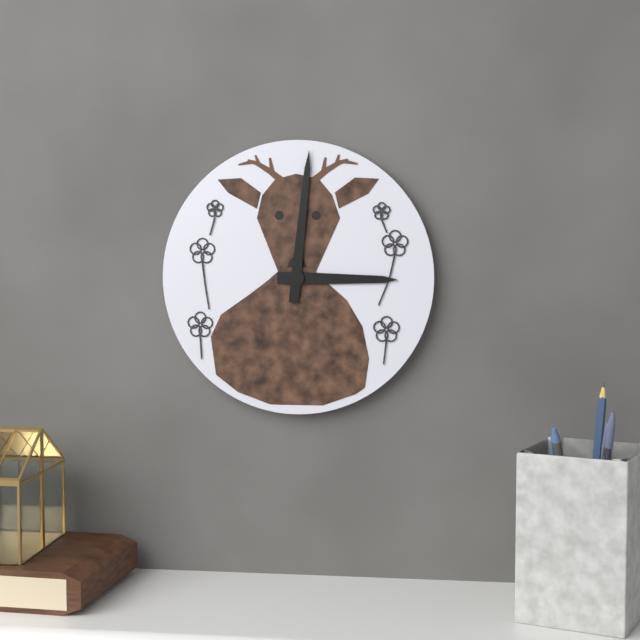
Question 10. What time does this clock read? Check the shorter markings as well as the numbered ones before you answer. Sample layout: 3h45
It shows 3h01
